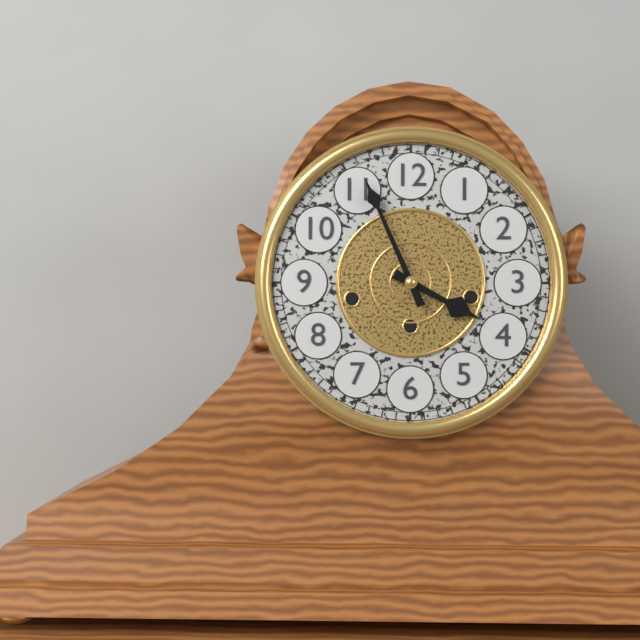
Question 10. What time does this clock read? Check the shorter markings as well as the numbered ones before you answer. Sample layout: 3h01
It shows 3h56
